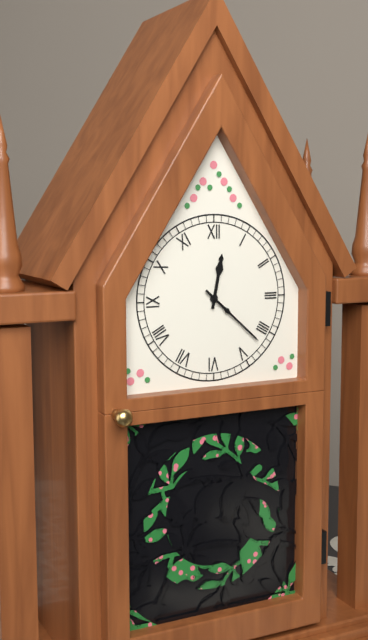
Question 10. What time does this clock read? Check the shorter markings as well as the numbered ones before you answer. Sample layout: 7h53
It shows 12h22
